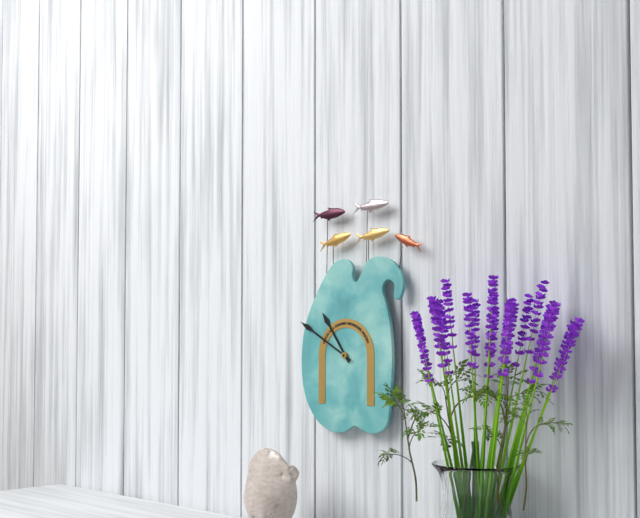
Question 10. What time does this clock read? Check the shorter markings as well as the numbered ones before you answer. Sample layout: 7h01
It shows 10h50
